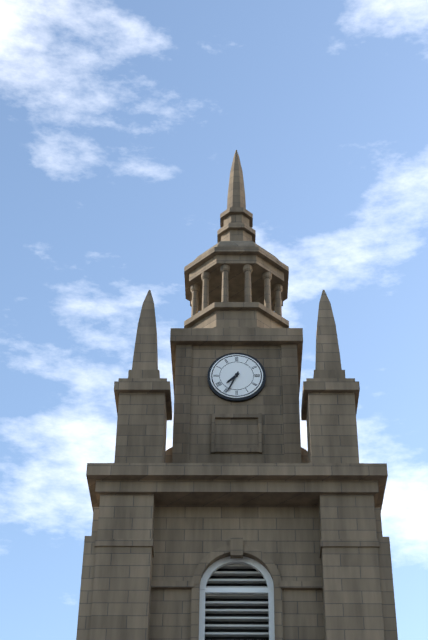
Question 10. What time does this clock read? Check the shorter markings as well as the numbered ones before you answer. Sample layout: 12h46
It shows 7h34
